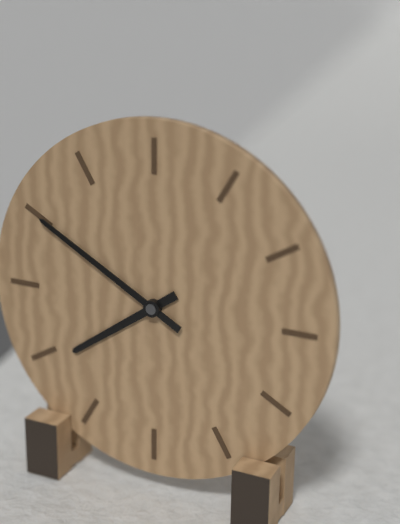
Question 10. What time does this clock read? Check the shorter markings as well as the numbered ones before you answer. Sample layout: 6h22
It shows 7h50
